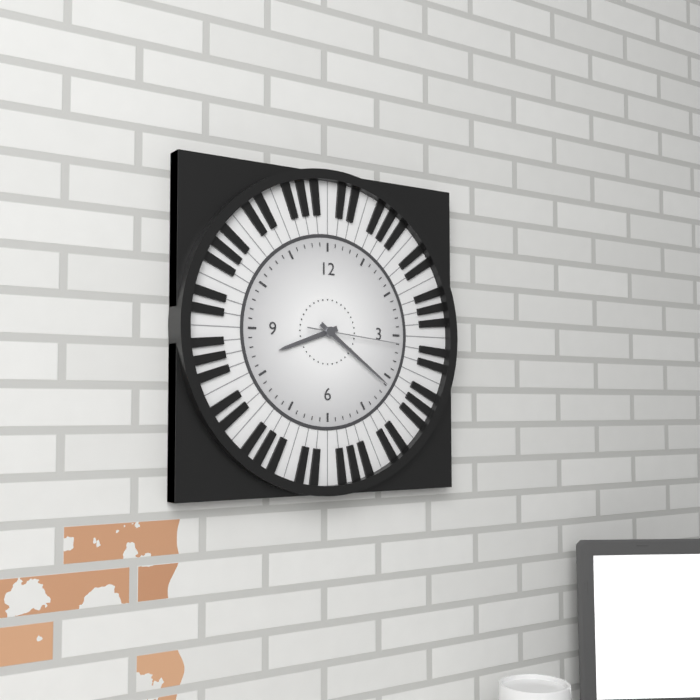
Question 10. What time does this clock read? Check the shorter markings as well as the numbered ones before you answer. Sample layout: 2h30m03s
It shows 8h21m16s
